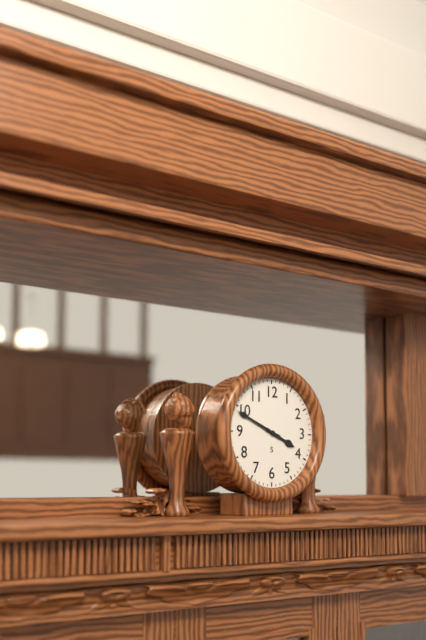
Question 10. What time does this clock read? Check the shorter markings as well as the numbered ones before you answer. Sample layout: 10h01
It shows 3h49
